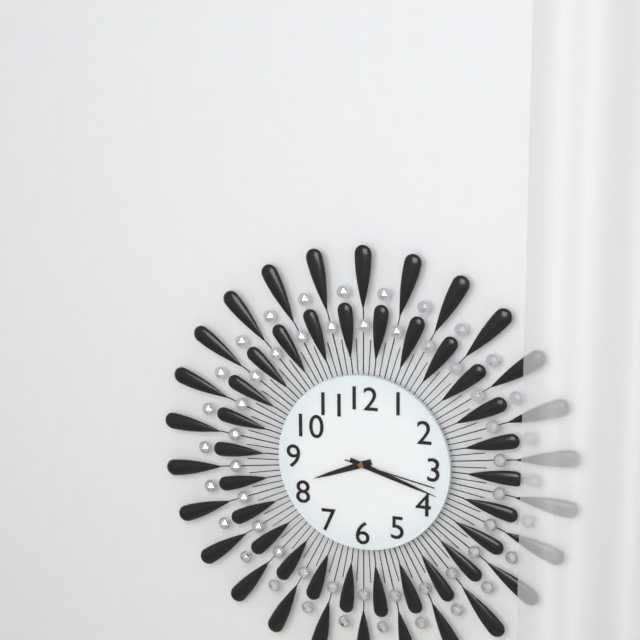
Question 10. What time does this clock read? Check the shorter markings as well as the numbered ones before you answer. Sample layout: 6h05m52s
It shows 8h18m17s
